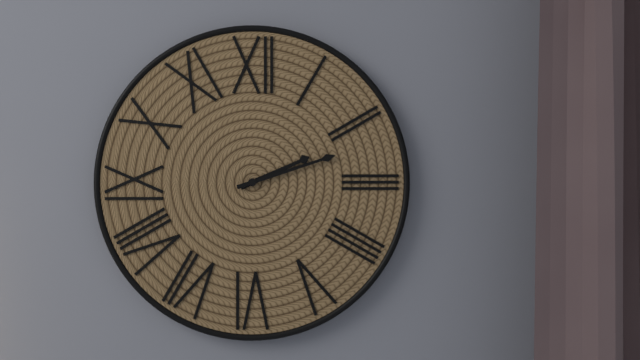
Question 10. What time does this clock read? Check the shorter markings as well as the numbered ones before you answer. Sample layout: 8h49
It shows 2h12
